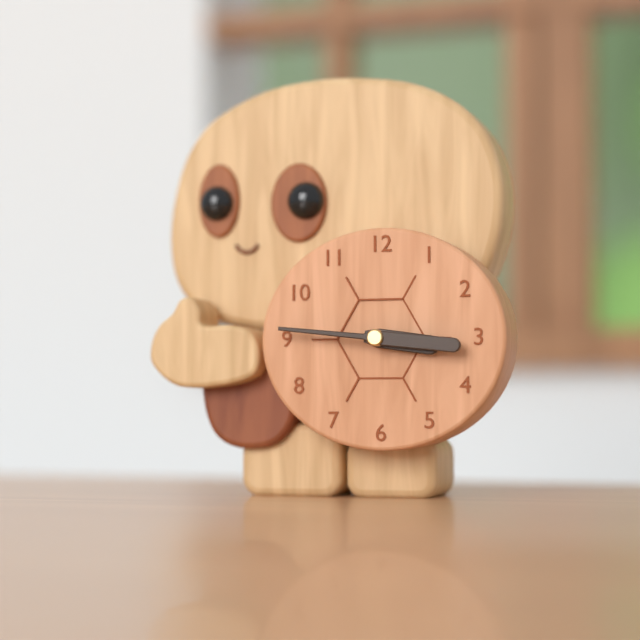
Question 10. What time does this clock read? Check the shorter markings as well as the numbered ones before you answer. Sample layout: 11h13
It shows 3h16
